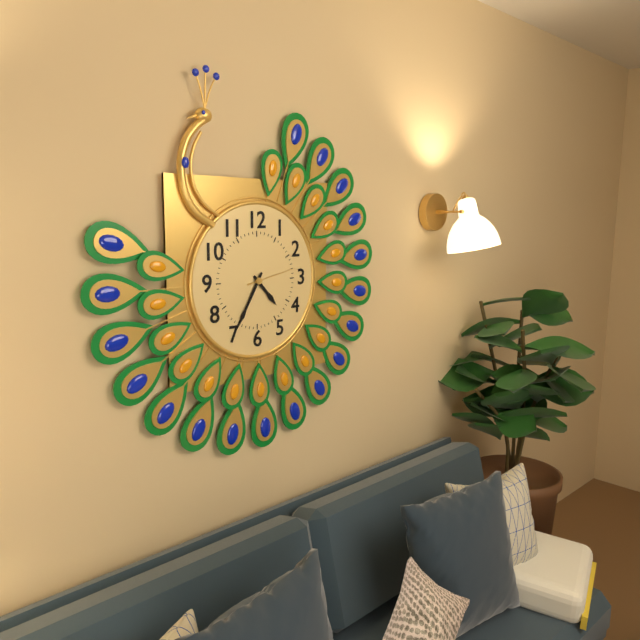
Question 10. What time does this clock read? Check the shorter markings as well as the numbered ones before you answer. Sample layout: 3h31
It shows 4h35
